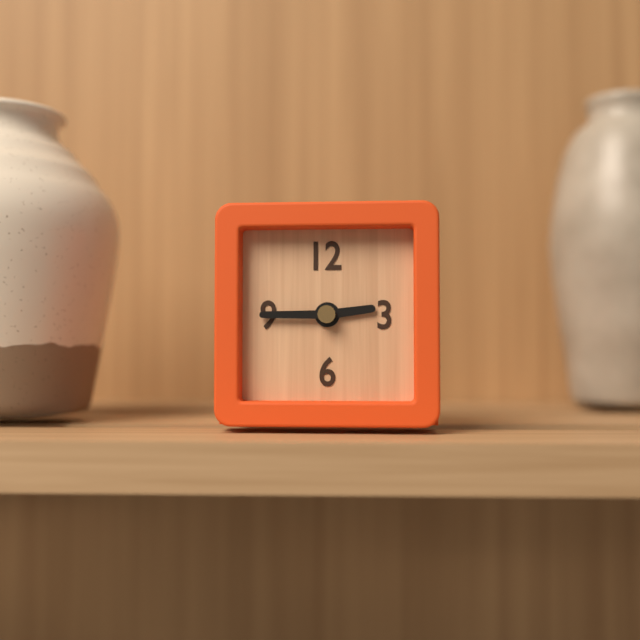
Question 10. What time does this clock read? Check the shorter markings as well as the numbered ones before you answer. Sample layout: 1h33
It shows 2h45
